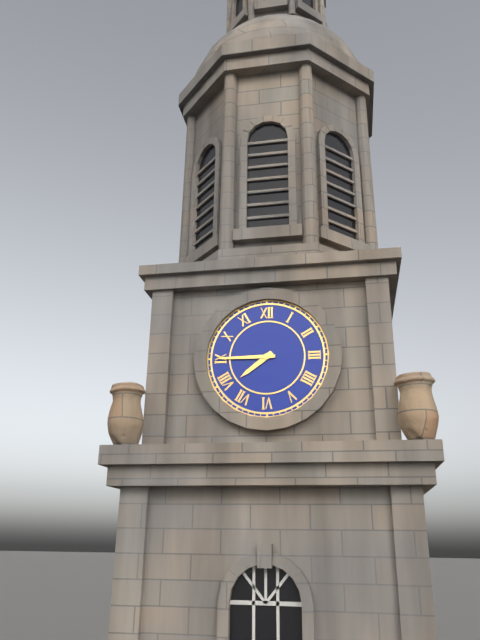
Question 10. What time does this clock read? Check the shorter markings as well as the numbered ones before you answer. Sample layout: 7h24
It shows 7h45
